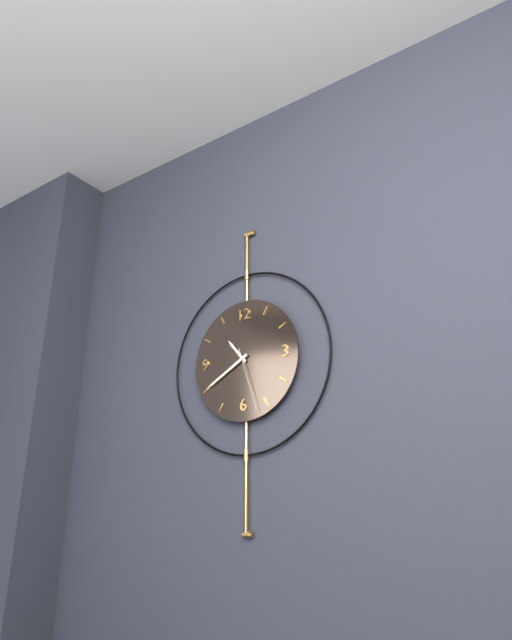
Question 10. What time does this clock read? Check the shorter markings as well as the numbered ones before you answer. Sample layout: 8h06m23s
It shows 10h40m27s
